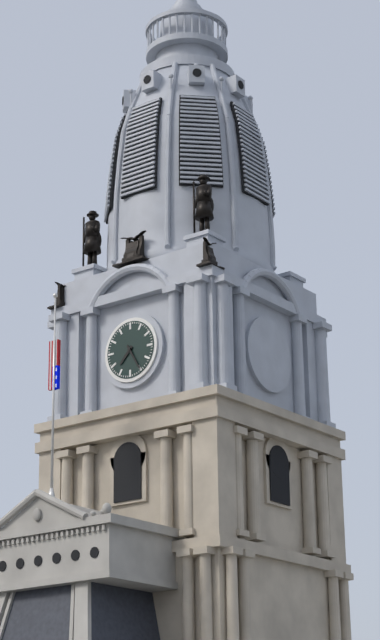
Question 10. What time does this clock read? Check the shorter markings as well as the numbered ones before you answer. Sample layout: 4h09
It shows 7h25
